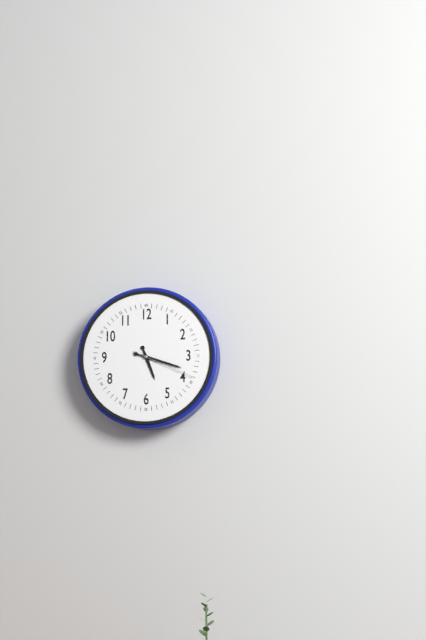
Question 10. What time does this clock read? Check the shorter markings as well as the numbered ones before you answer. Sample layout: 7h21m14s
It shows 5h18m19s
